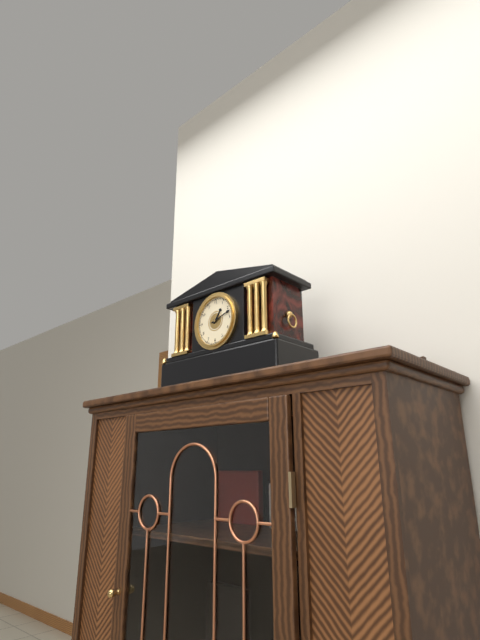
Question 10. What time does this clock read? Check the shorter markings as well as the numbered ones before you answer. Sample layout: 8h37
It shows 1h12
